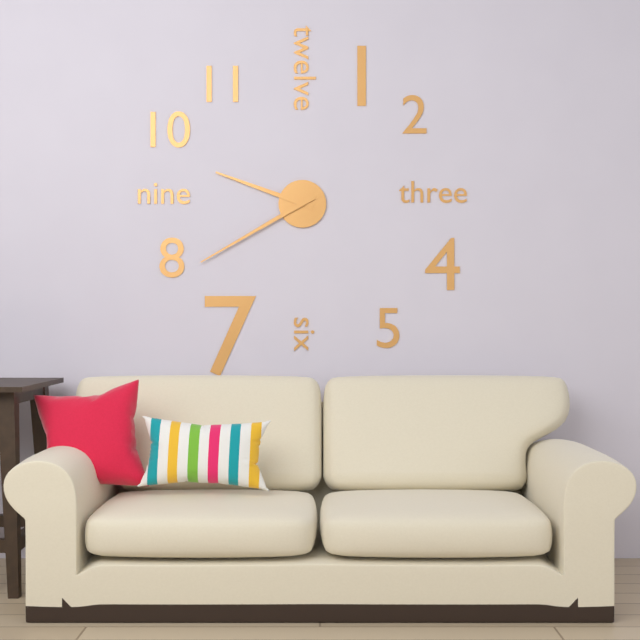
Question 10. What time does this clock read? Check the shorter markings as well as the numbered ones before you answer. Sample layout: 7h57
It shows 9h40
